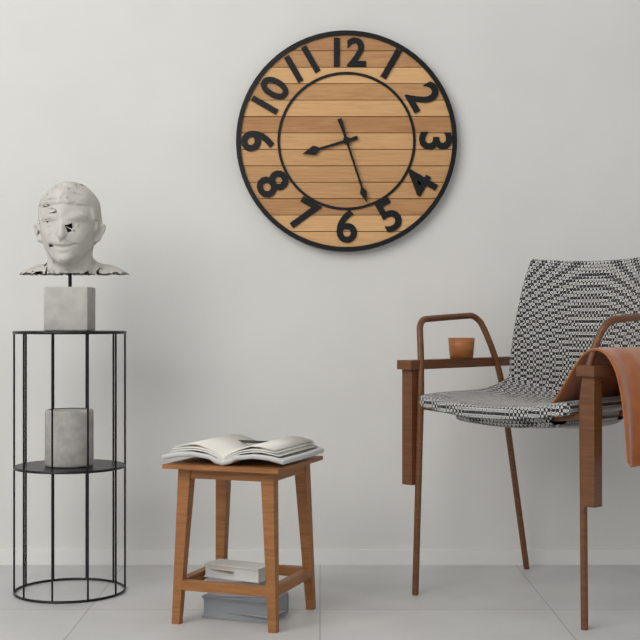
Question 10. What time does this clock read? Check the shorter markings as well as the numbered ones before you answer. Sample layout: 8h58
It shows 8h27
